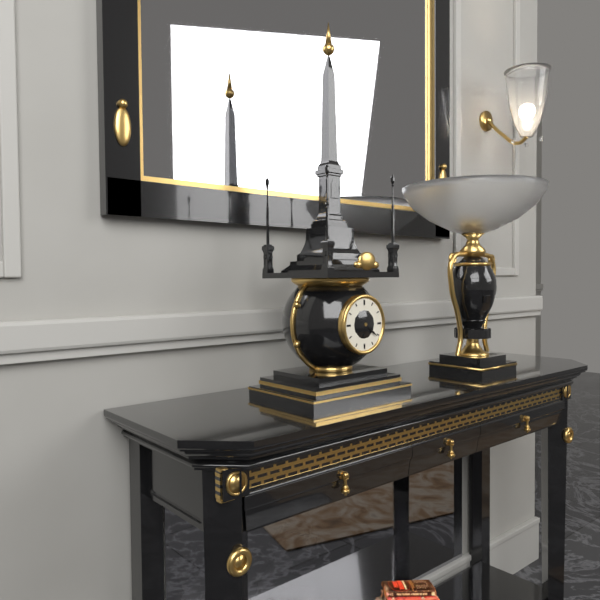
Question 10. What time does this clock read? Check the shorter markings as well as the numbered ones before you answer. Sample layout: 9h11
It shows 6h21
